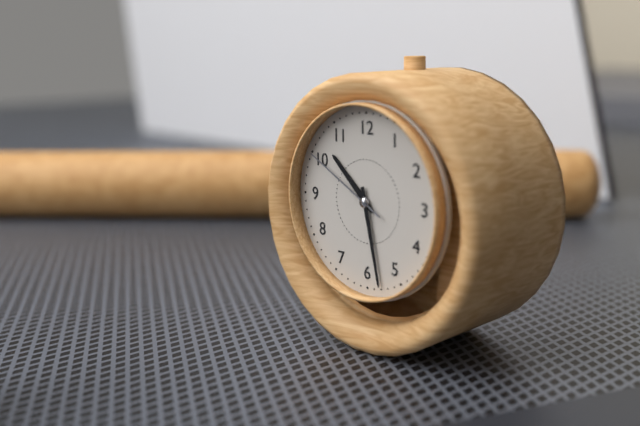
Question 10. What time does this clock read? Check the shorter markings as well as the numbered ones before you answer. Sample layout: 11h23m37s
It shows 10h28m50s
